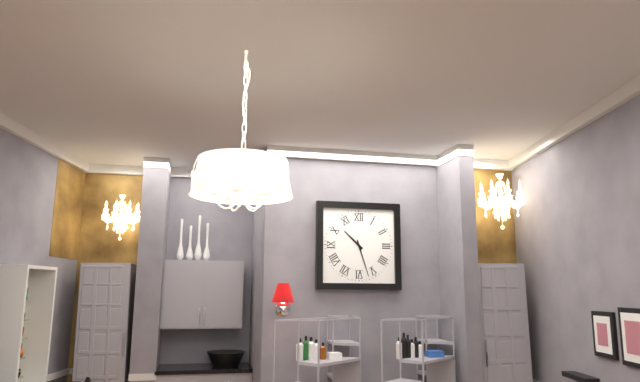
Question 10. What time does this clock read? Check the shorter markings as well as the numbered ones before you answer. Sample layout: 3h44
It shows 10h27
